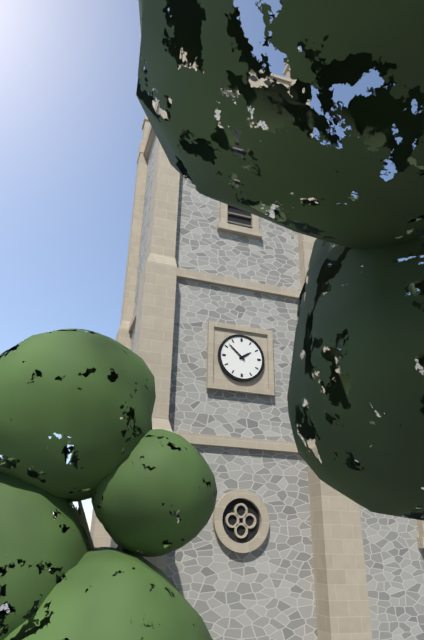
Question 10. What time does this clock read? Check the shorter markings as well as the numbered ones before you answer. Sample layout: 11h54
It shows 1h52
